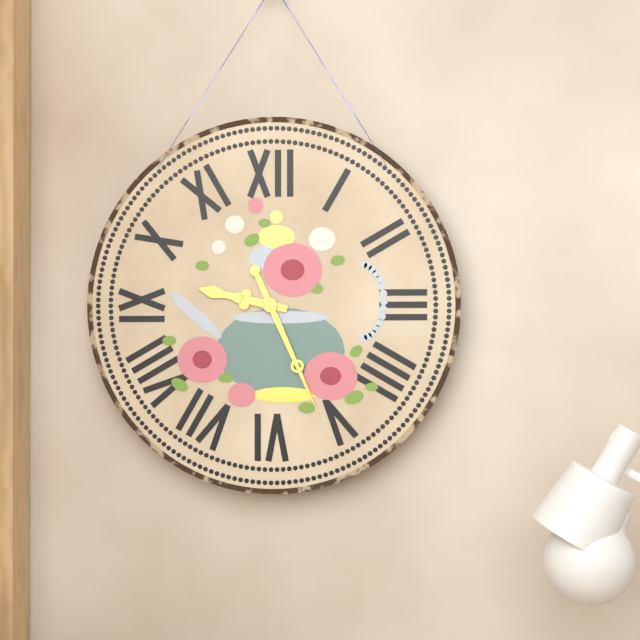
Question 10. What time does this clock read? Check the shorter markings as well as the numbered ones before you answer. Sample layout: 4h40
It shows 9h26
